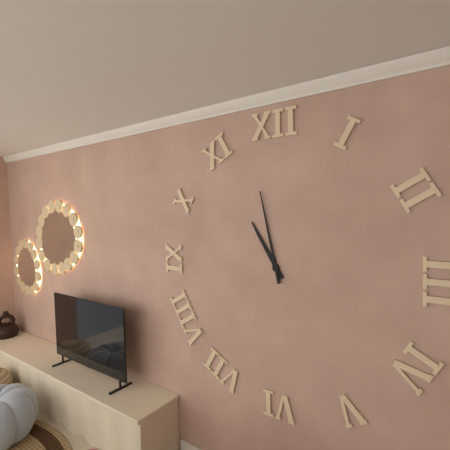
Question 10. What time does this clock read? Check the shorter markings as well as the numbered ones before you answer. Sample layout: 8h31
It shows 10h58
